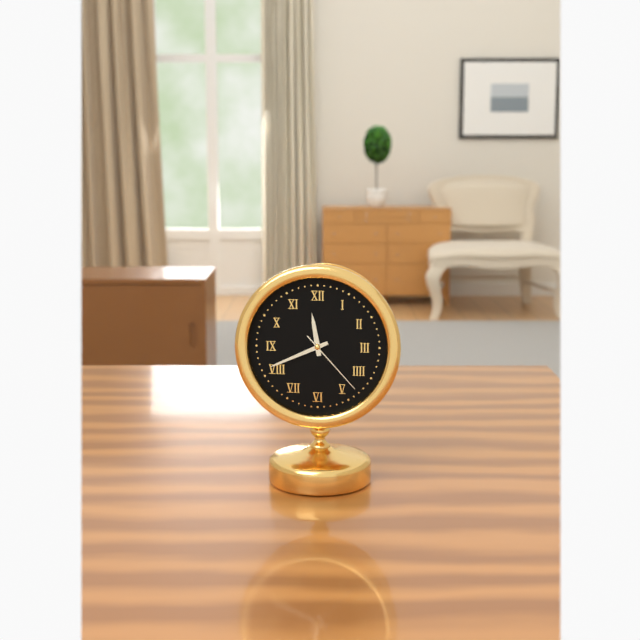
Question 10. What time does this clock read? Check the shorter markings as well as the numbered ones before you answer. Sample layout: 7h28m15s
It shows 11h41m23s
